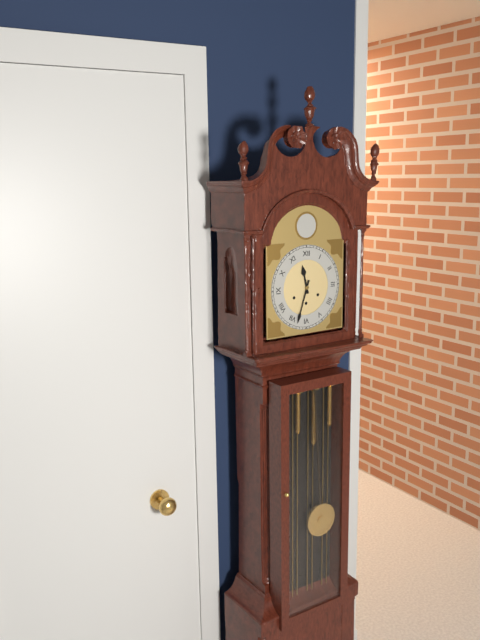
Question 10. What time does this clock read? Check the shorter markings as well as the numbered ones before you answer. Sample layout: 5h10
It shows 11h33
